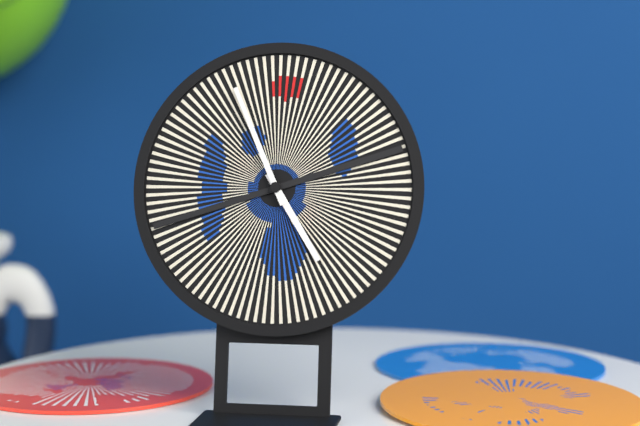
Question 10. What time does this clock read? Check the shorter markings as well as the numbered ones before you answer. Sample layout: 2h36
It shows 4h56
